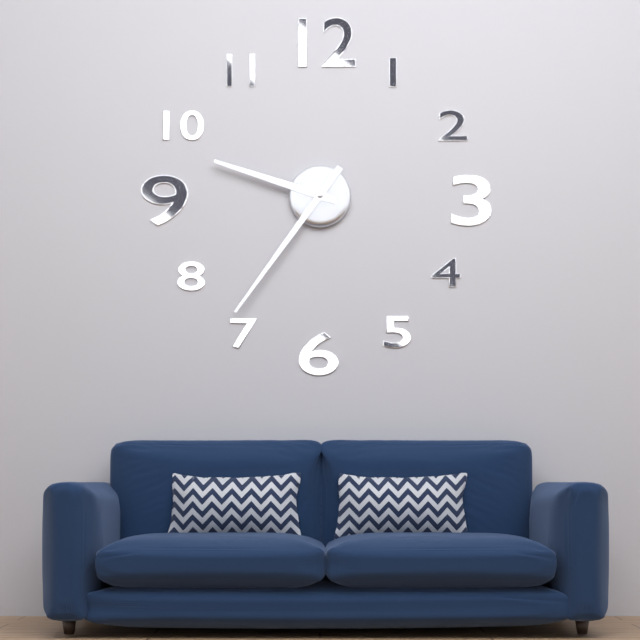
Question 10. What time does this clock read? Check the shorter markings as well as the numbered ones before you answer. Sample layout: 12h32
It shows 9h36
